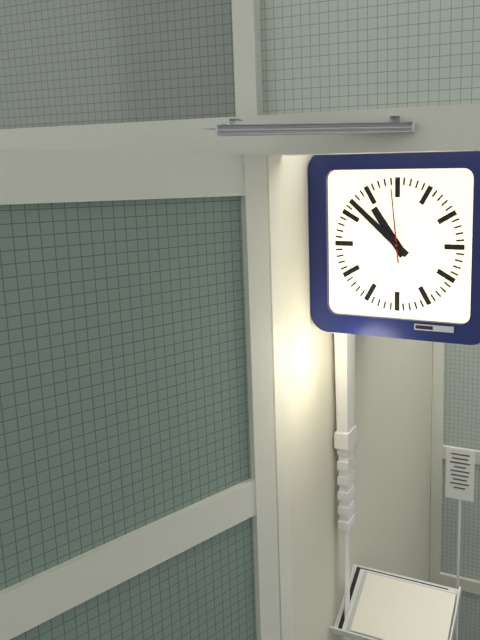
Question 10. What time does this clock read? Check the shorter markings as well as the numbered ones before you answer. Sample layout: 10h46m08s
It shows 10h52m59s
